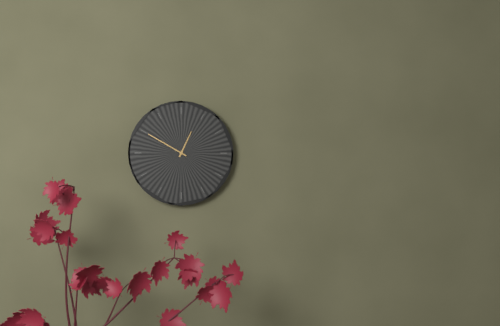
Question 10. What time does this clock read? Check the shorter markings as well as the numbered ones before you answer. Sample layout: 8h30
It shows 12h50
